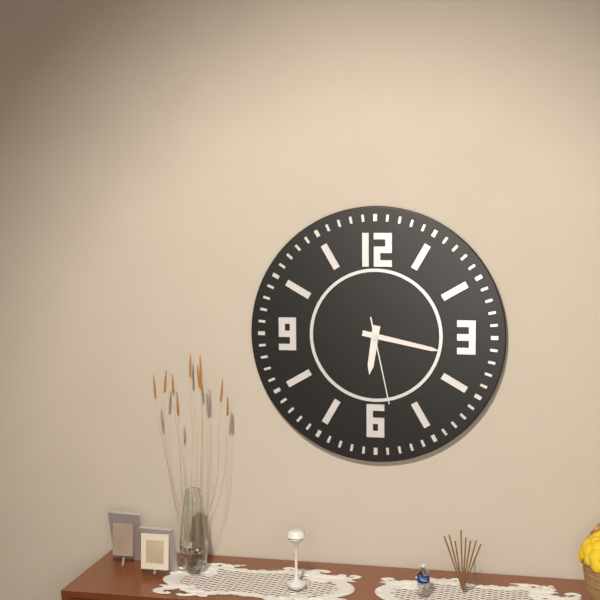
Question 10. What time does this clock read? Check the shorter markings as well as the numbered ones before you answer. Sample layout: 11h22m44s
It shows 6h17m28s
